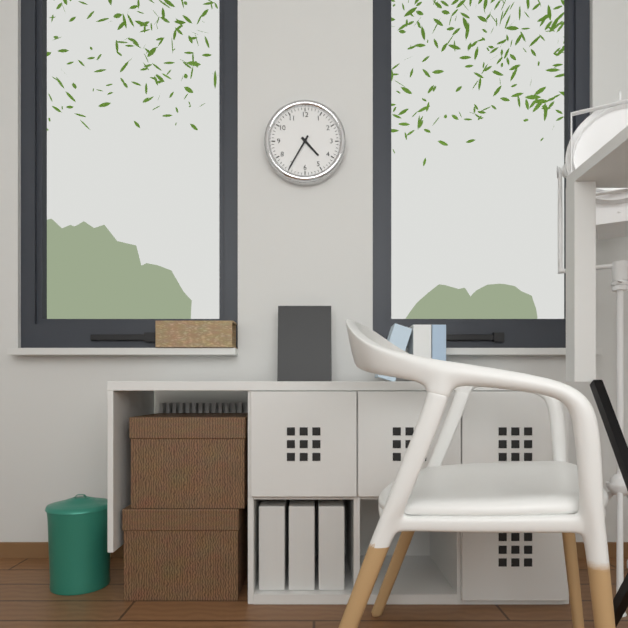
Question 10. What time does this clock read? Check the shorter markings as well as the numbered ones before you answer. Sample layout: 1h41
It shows 4h35
